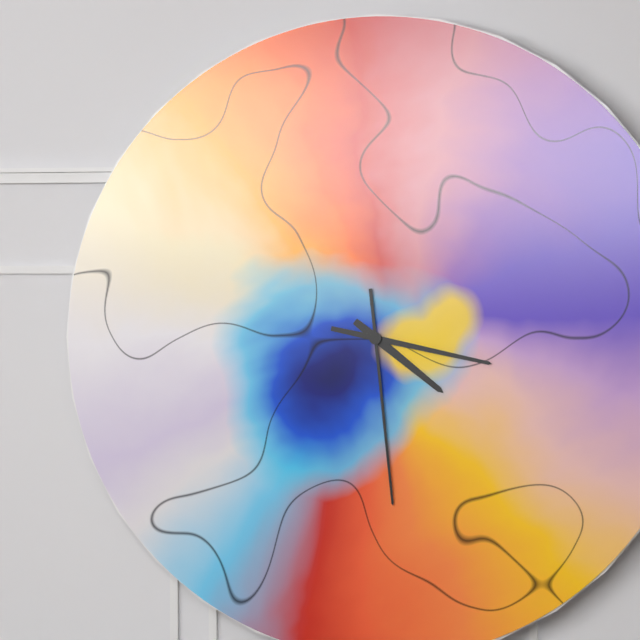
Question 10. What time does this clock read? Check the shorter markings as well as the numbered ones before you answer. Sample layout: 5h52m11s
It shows 4h17m29s
